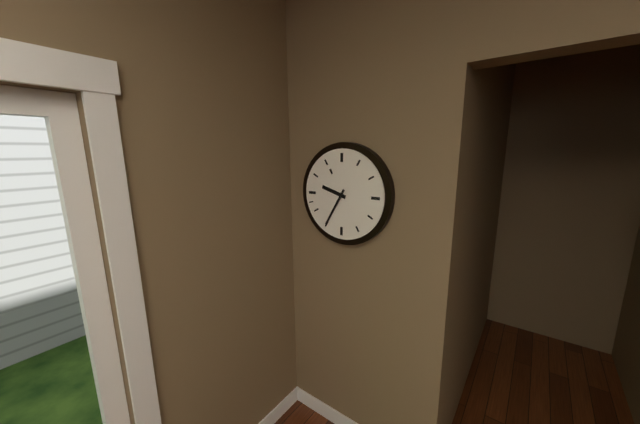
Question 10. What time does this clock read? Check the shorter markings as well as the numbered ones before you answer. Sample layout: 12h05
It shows 9h35
